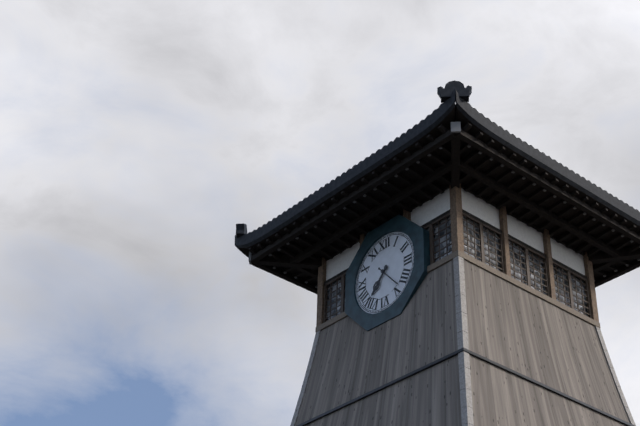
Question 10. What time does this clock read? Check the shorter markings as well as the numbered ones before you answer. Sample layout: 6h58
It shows 7h23
